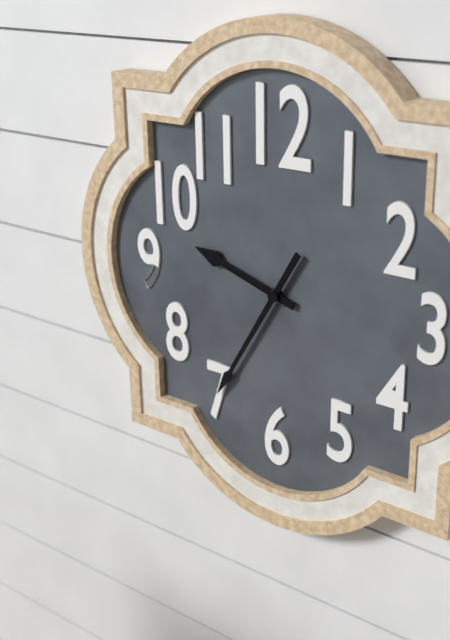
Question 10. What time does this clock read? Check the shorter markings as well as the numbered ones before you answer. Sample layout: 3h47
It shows 9h35
